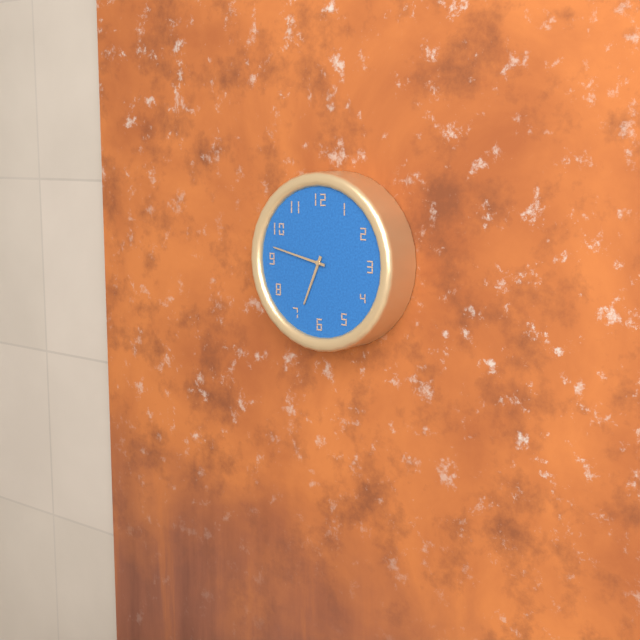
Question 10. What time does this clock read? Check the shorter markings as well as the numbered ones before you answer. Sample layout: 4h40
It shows 6h47
